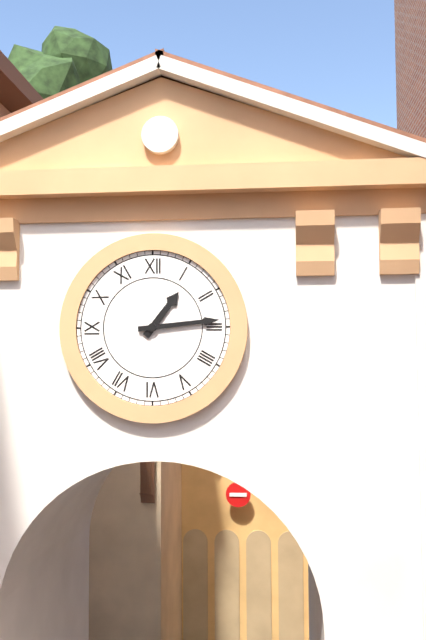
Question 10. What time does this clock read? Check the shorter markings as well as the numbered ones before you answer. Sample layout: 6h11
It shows 1h14
